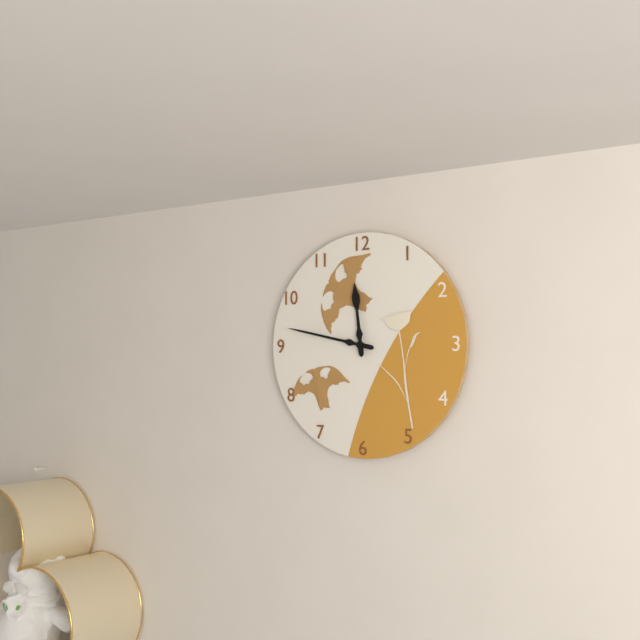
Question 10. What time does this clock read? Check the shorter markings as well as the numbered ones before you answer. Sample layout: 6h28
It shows 11h47
